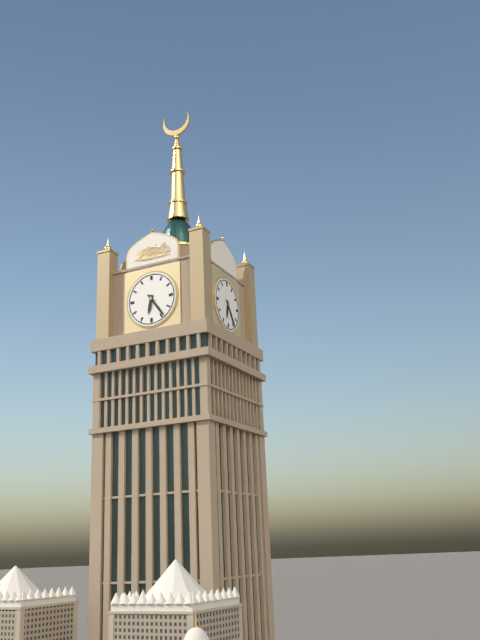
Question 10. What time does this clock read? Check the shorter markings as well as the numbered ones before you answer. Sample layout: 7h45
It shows 6h24
